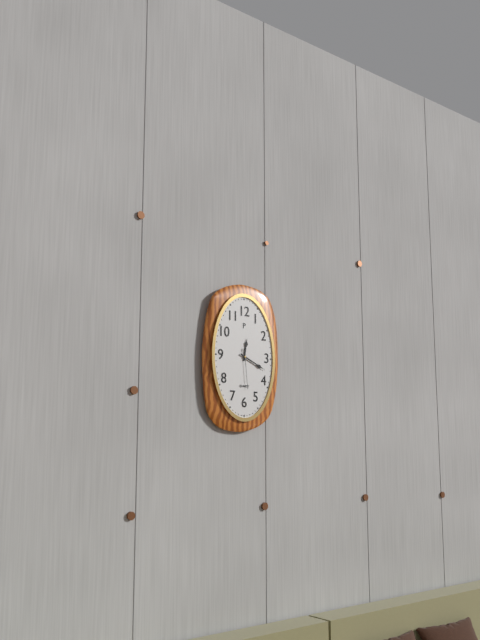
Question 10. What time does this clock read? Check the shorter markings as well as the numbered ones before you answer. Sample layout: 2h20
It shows 12h19
